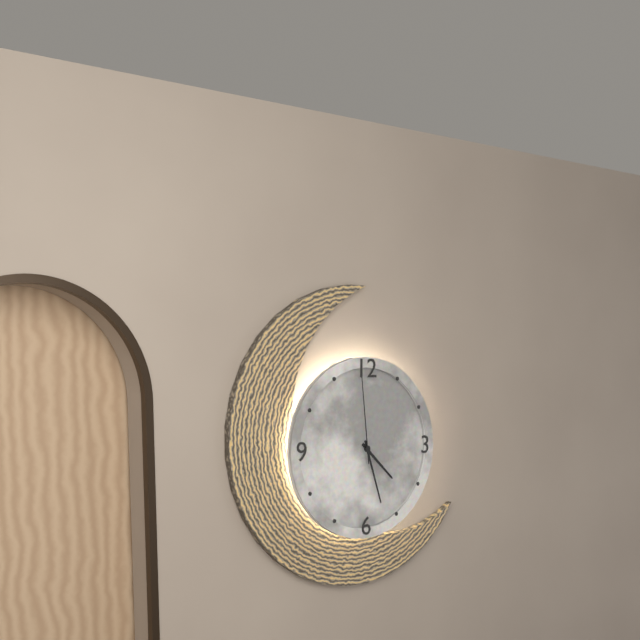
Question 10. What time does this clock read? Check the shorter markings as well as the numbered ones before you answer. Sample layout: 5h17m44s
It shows 4h27m59s
